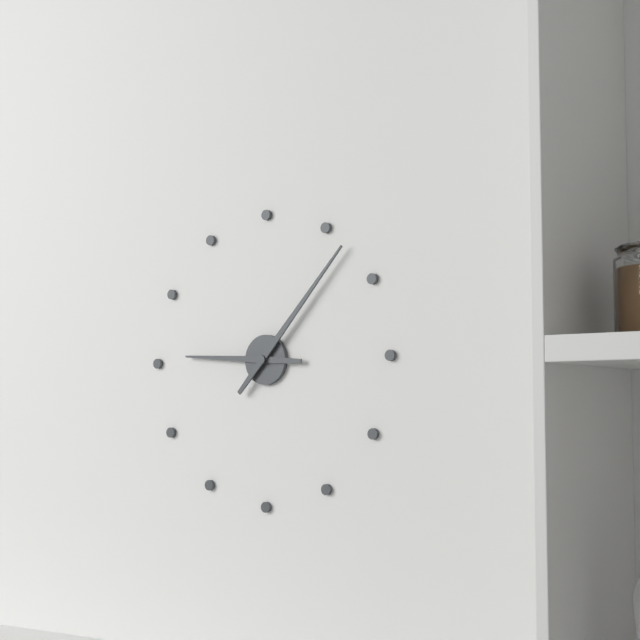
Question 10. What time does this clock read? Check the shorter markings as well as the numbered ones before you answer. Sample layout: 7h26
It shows 9h07
